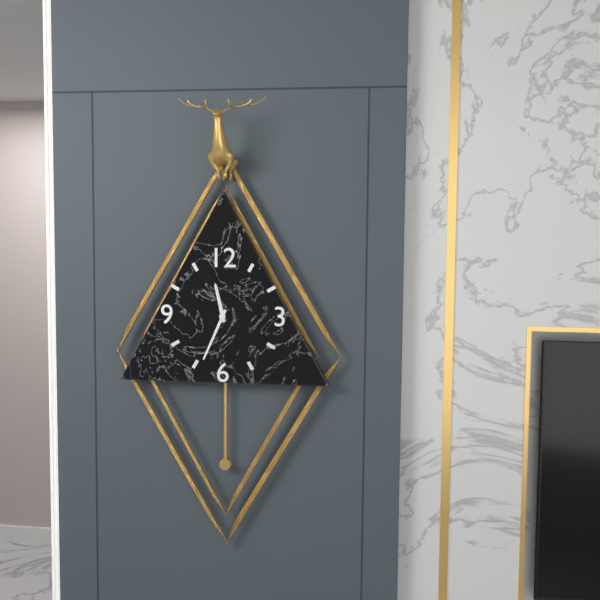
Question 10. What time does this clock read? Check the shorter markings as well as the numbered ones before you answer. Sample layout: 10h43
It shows 11h34
